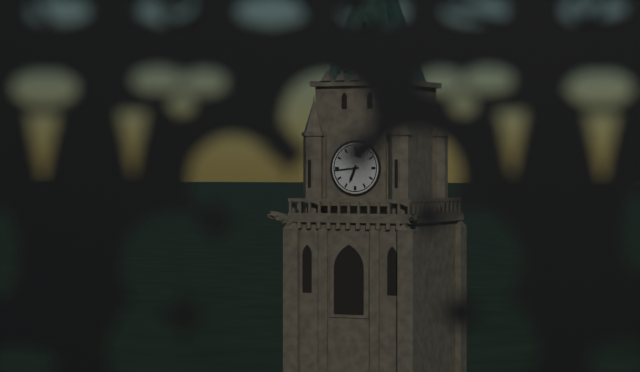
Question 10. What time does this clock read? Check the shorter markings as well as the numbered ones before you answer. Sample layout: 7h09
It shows 6h44
